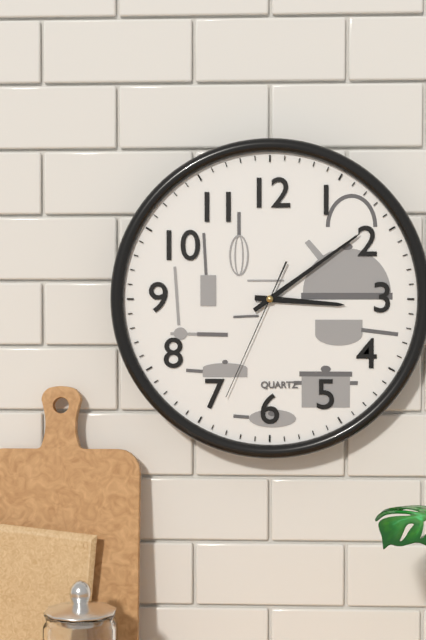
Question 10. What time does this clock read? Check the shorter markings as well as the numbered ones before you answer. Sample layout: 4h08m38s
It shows 3h09m34s
